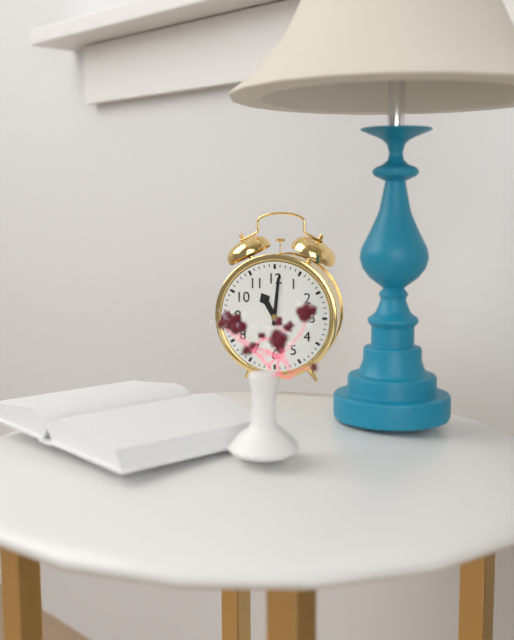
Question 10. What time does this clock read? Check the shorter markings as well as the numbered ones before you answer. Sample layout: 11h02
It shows 11h01
